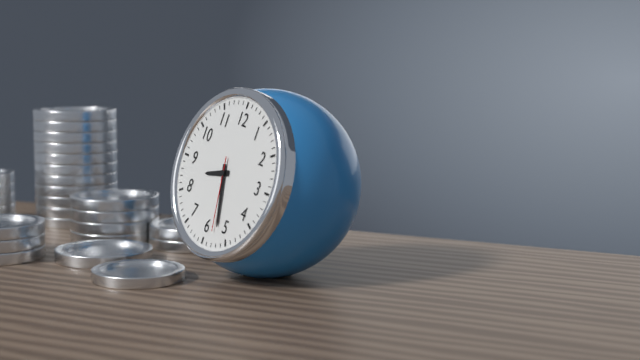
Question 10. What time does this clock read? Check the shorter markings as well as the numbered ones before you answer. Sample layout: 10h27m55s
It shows 8h27m28s
